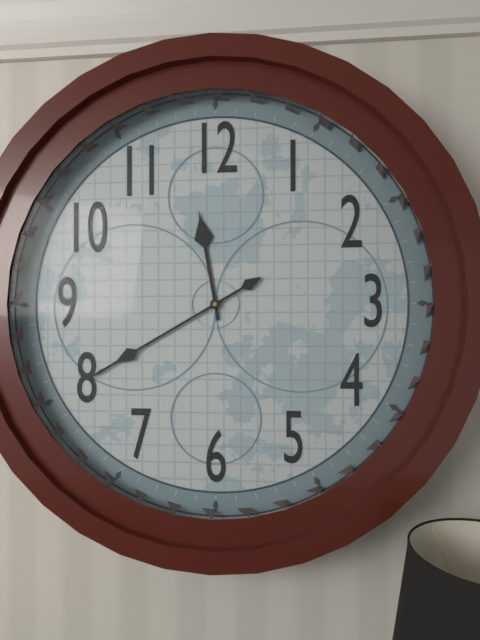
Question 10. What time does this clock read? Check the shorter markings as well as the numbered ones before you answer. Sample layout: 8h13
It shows 11h40
